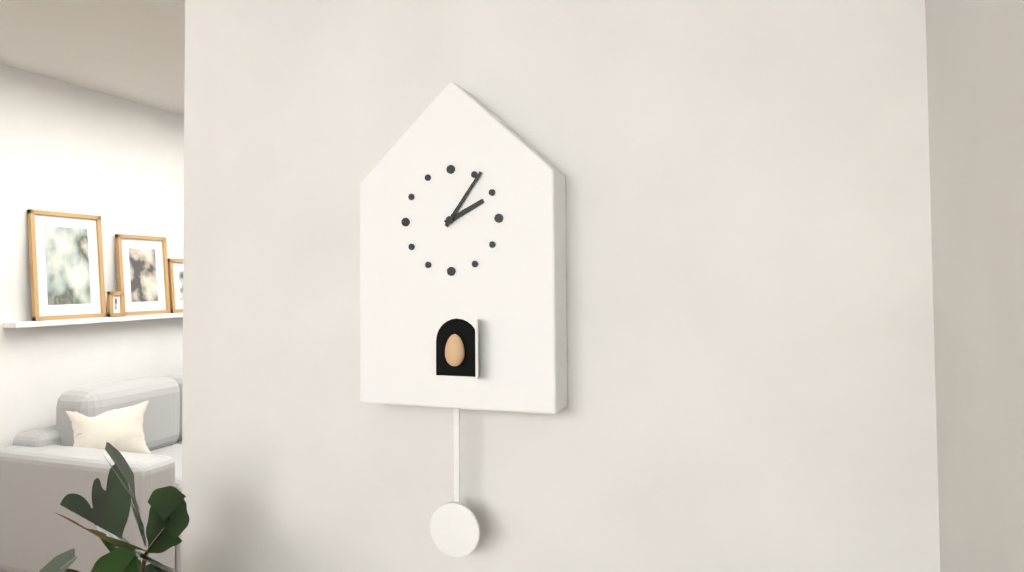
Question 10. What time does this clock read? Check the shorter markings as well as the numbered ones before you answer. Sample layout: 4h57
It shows 2h06
